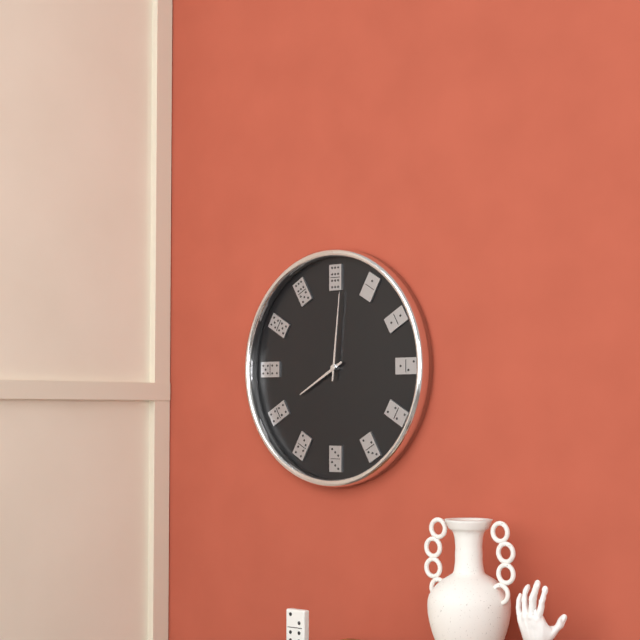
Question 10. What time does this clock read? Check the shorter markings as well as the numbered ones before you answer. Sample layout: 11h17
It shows 8h01
